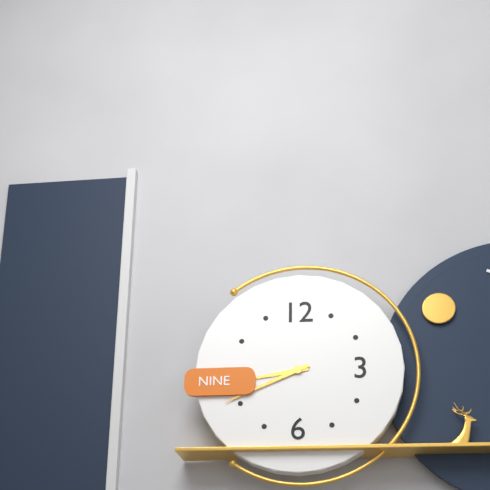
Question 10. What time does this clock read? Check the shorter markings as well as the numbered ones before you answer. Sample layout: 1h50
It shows 8h41
